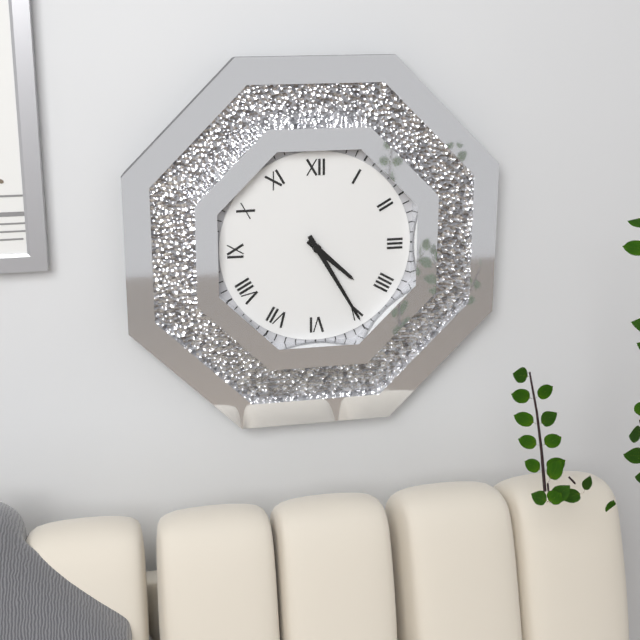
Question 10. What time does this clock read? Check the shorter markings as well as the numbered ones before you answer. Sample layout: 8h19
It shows 4h25
